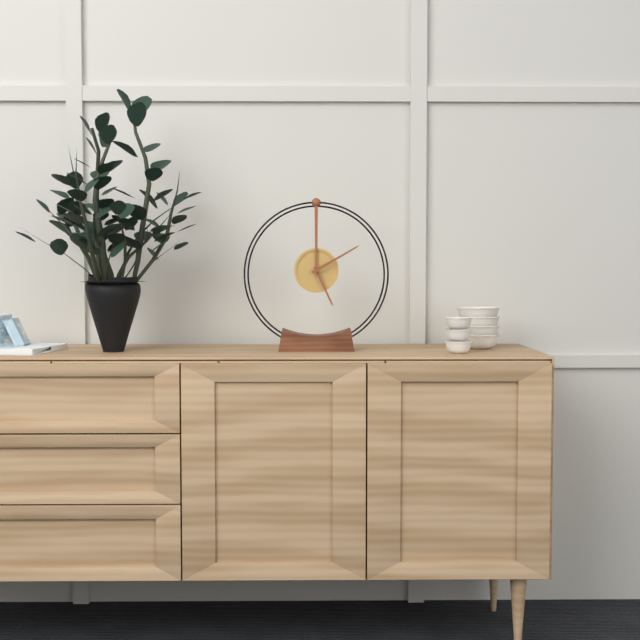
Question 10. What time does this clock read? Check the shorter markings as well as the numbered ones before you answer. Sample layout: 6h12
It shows 5h10
